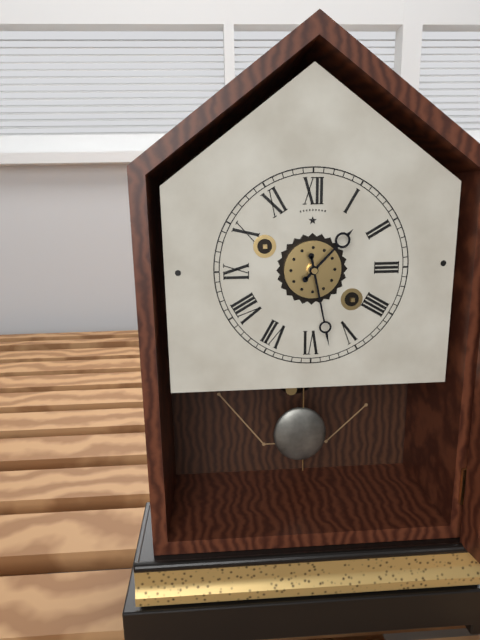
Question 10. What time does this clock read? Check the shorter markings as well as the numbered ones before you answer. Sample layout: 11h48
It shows 1h28
